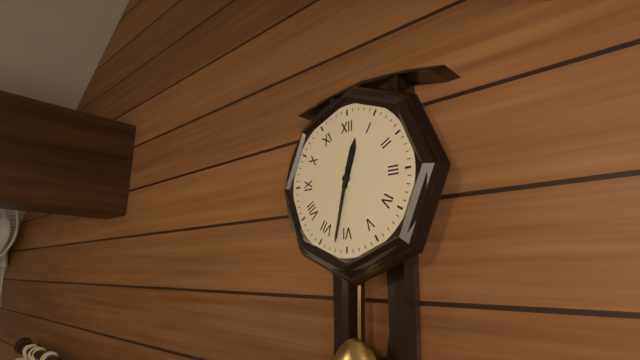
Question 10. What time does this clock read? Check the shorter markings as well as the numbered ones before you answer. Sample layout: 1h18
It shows 12h32
